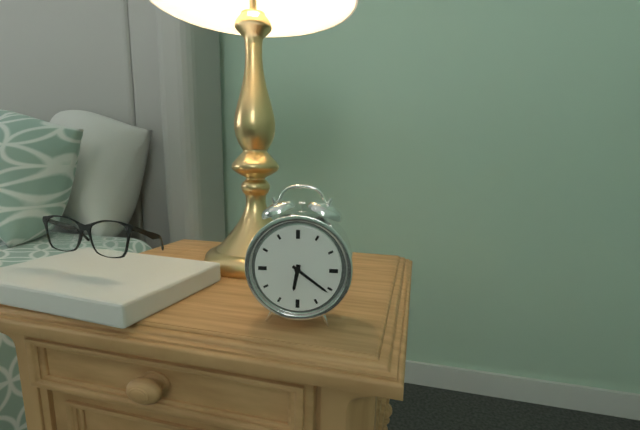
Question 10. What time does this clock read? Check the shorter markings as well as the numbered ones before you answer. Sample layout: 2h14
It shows 6h21
